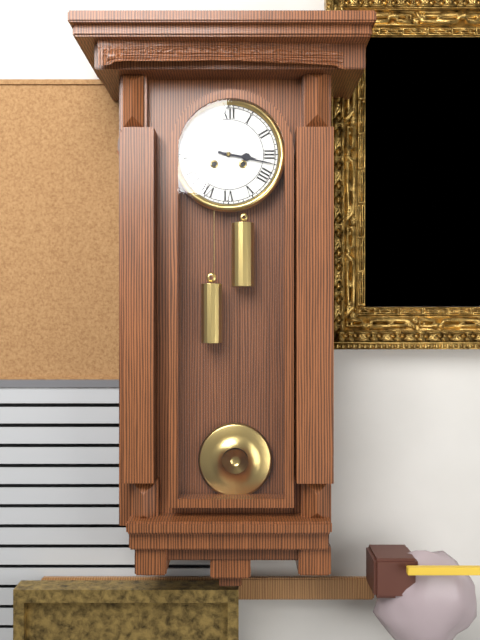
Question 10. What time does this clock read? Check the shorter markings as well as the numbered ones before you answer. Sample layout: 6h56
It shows 3h17
